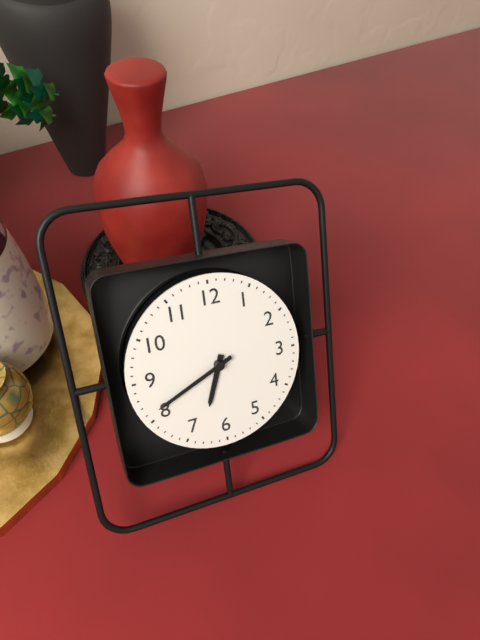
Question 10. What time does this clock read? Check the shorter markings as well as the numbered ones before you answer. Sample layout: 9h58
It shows 6h41
